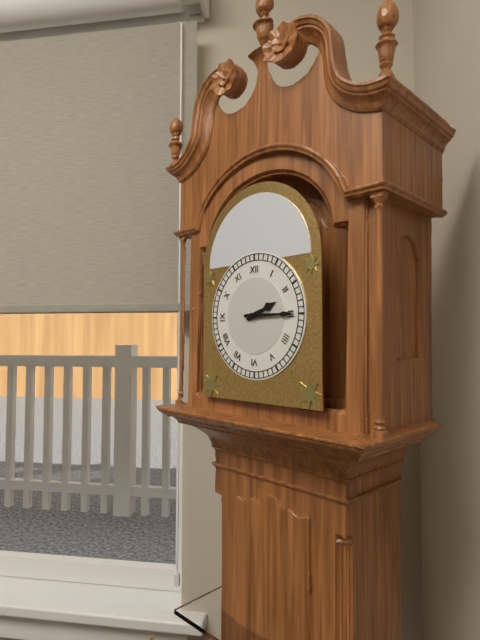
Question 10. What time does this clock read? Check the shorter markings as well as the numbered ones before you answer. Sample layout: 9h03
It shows 2h15
